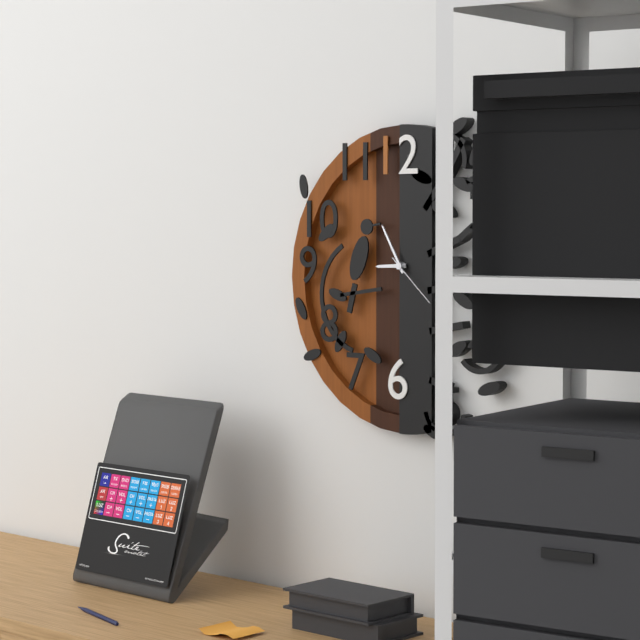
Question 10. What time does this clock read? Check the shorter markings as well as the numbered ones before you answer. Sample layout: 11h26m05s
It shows 8h55m22s
